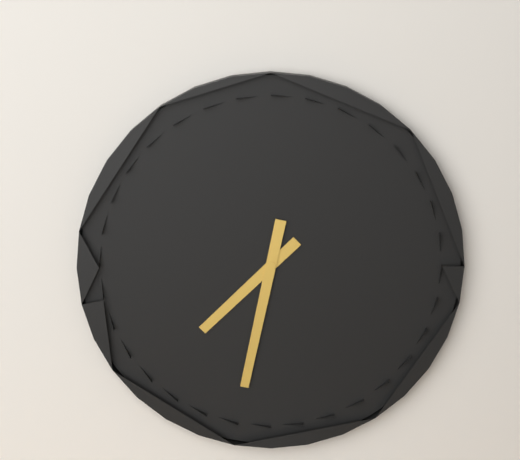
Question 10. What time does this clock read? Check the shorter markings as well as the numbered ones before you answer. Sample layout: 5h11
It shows 7h32
